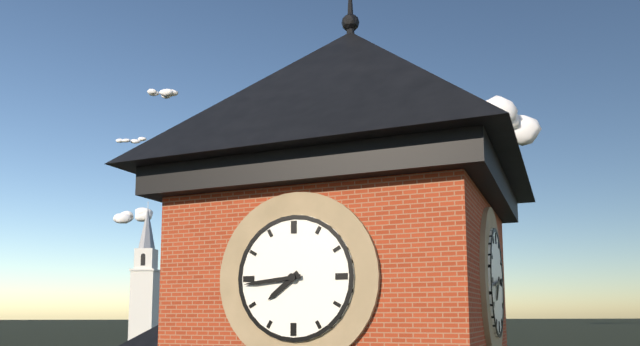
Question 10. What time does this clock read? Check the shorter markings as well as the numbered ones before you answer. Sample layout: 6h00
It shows 7h44
